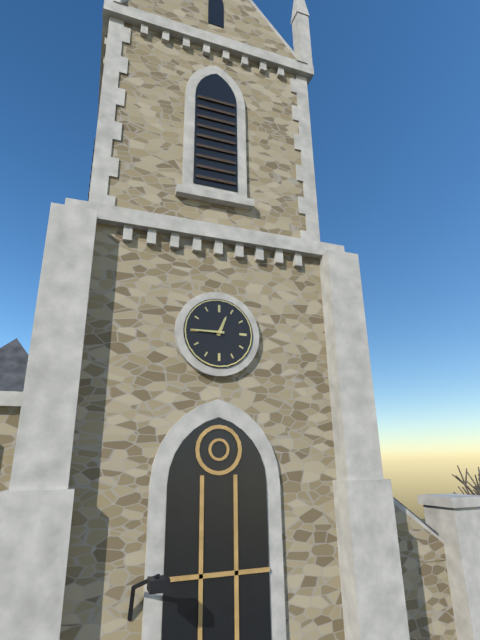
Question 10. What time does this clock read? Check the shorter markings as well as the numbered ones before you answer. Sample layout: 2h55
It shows 12h45
